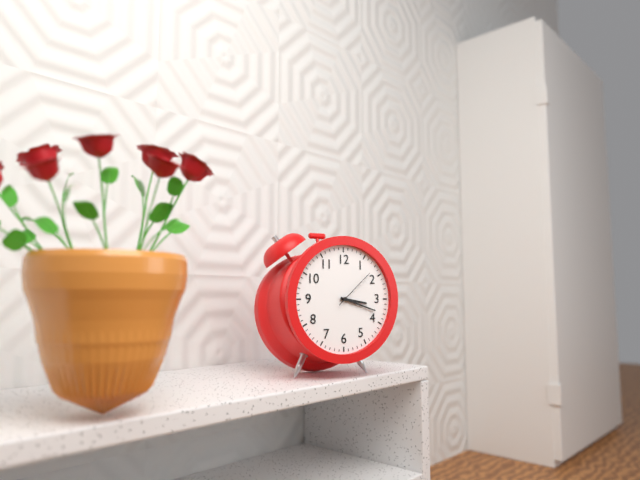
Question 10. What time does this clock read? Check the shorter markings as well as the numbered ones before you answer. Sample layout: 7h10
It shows 3h18
